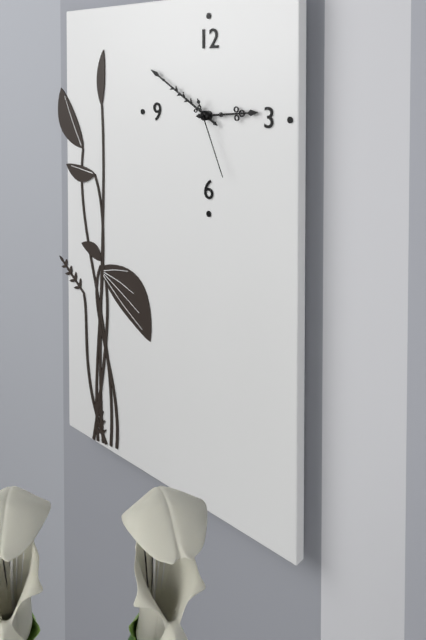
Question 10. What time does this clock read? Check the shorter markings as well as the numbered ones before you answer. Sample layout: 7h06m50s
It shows 2h50m26s
